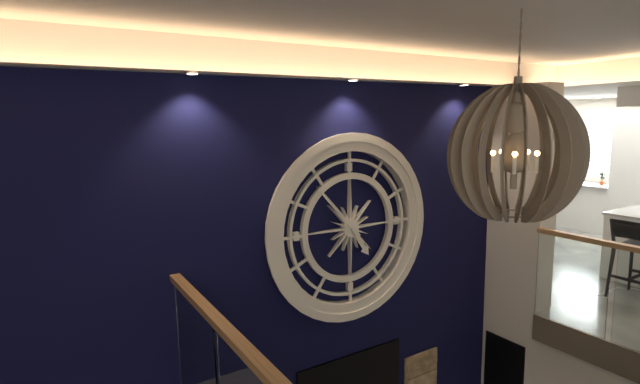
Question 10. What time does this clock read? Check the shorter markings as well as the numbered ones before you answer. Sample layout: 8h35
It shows 4h53
